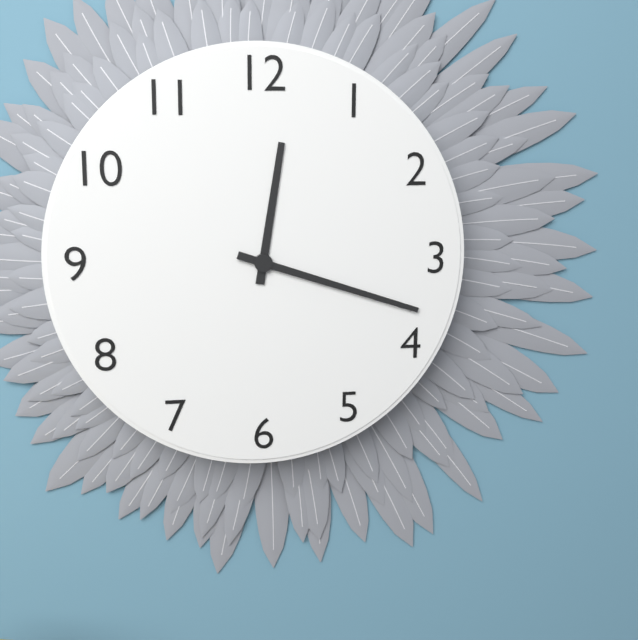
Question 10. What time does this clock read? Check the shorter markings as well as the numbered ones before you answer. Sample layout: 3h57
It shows 12h18
